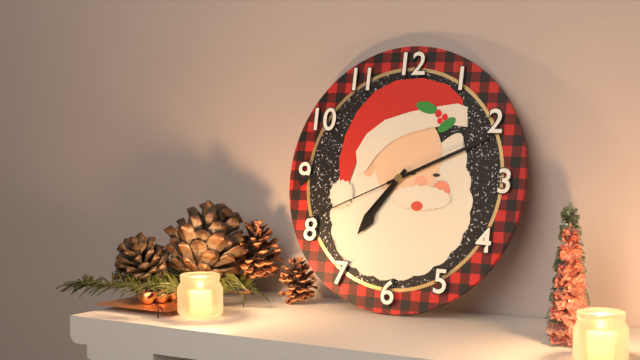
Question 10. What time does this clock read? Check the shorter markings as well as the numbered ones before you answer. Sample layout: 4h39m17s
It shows 7h11m41s
